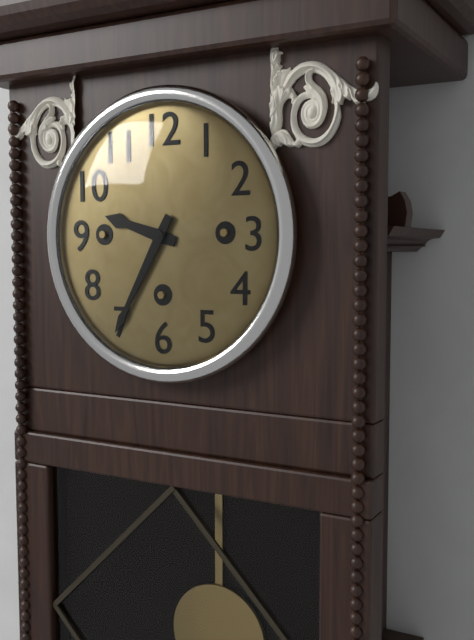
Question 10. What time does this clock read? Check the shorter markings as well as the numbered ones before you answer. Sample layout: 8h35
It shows 9h35
